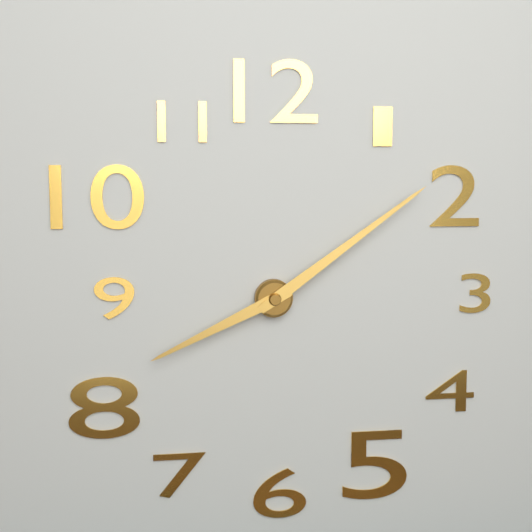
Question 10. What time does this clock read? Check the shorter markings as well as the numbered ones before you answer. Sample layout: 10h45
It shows 8h09
